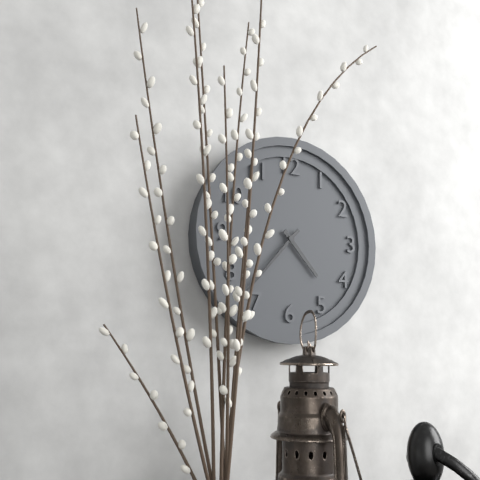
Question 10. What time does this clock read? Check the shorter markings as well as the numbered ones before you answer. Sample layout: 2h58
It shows 4h37
